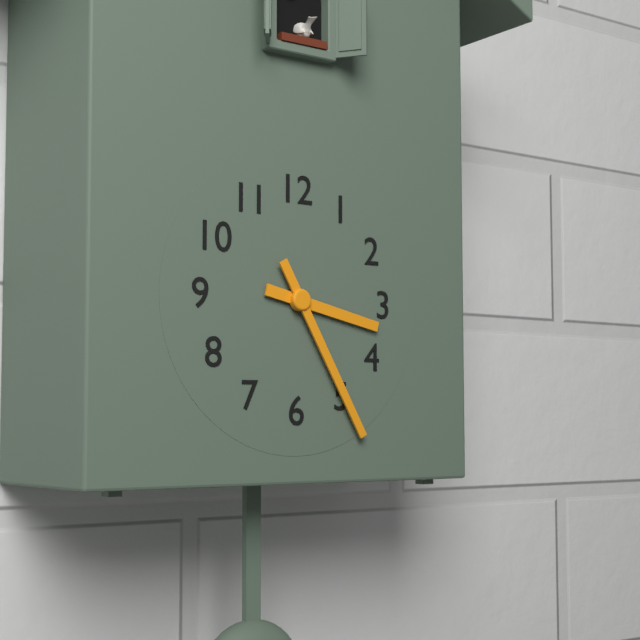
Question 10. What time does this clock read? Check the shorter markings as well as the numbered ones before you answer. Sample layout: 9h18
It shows 3h25
